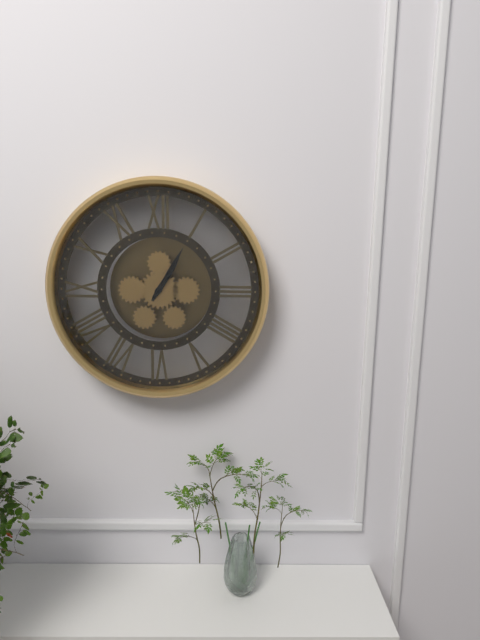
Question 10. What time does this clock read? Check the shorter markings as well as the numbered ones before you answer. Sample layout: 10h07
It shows 1h05
